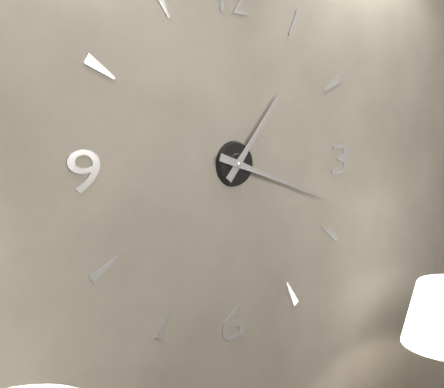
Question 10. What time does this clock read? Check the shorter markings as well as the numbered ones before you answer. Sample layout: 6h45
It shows 1h18
